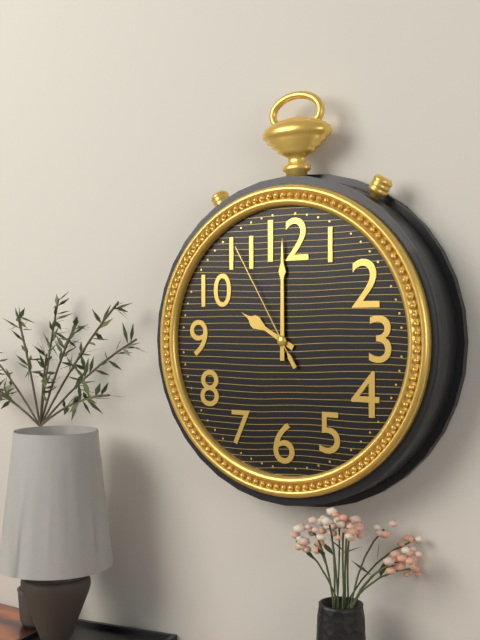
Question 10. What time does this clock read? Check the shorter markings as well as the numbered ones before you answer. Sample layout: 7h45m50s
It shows 10h00m55s
